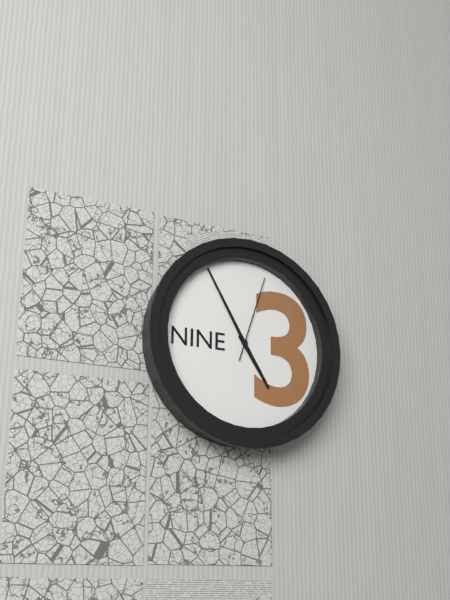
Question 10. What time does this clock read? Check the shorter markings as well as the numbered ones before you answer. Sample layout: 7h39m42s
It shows 4h55m03s
